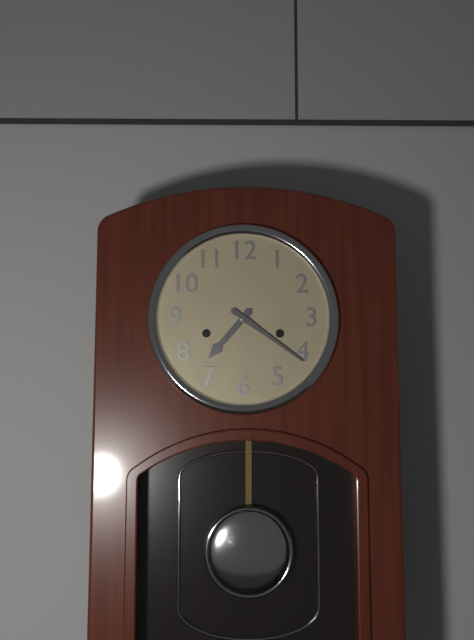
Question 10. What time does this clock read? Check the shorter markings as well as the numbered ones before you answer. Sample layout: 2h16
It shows 7h21
